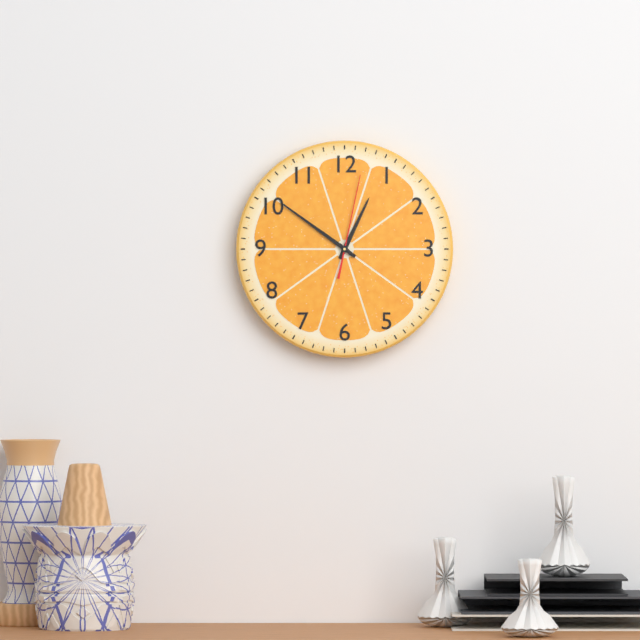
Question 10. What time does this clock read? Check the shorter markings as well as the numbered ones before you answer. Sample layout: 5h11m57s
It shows 12h51m02s
